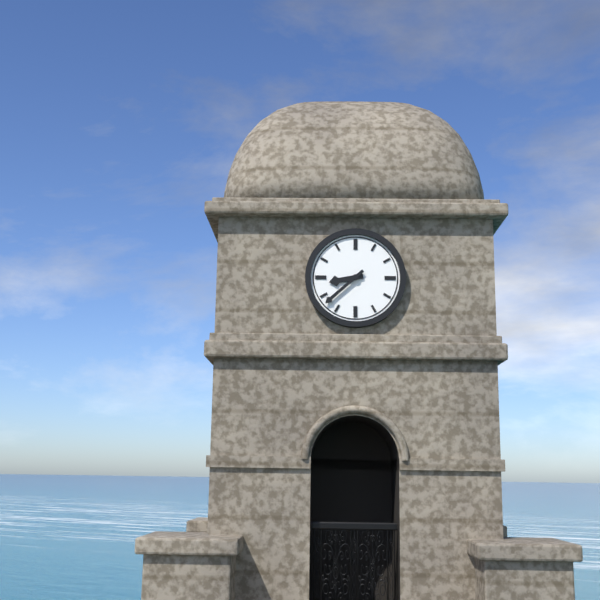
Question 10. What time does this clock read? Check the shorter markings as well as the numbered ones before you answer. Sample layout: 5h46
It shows 8h38
